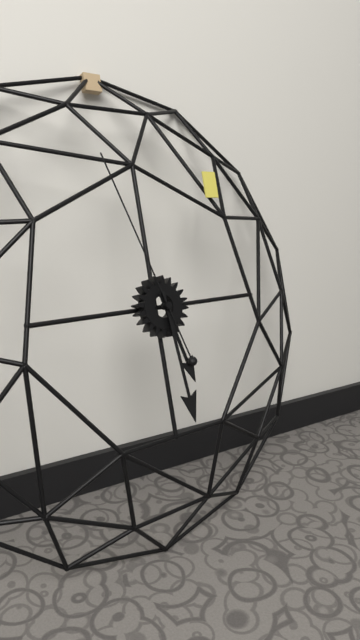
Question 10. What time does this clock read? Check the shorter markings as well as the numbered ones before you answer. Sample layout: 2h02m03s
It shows 5h29m57s
